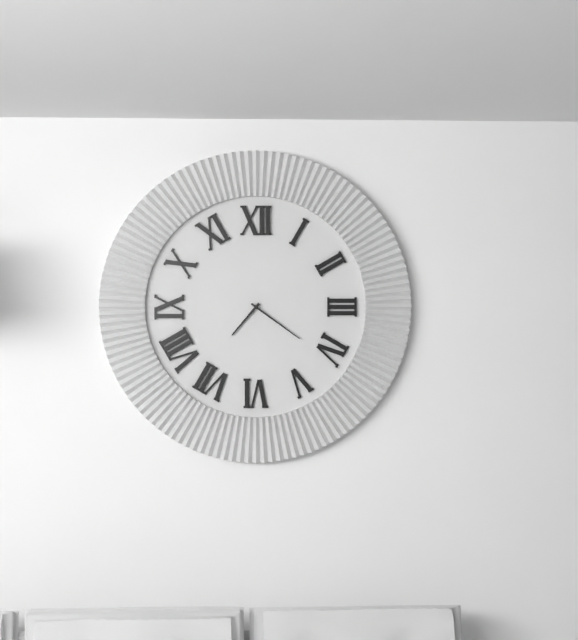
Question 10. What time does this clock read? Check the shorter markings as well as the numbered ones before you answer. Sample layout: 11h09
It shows 7h21
